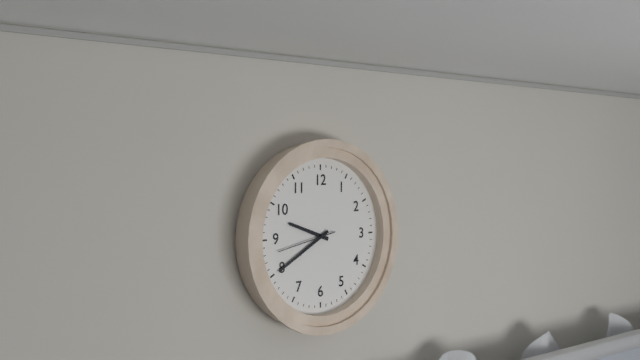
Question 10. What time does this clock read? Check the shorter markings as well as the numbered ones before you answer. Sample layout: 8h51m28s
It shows 9h40m43s
